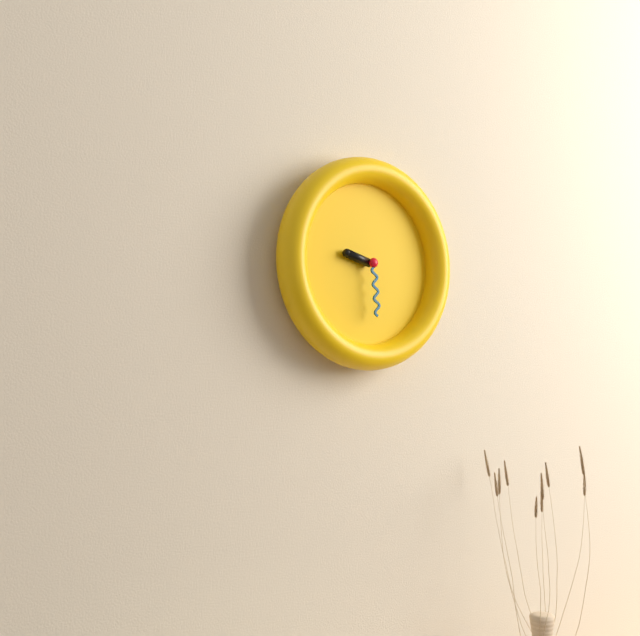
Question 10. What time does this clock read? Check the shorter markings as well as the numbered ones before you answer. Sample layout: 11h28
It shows 9h29
